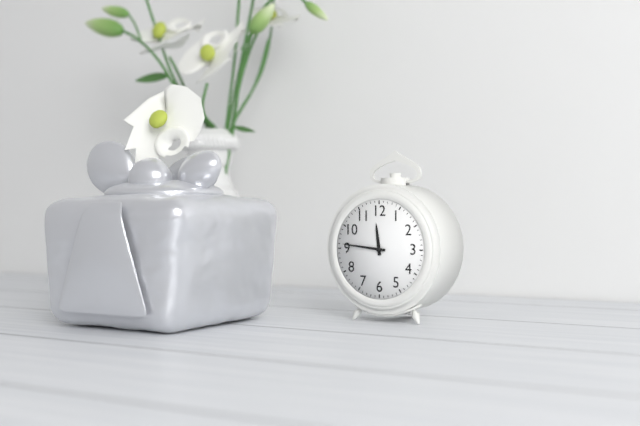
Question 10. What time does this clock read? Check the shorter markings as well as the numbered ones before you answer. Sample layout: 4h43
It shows 11h46
